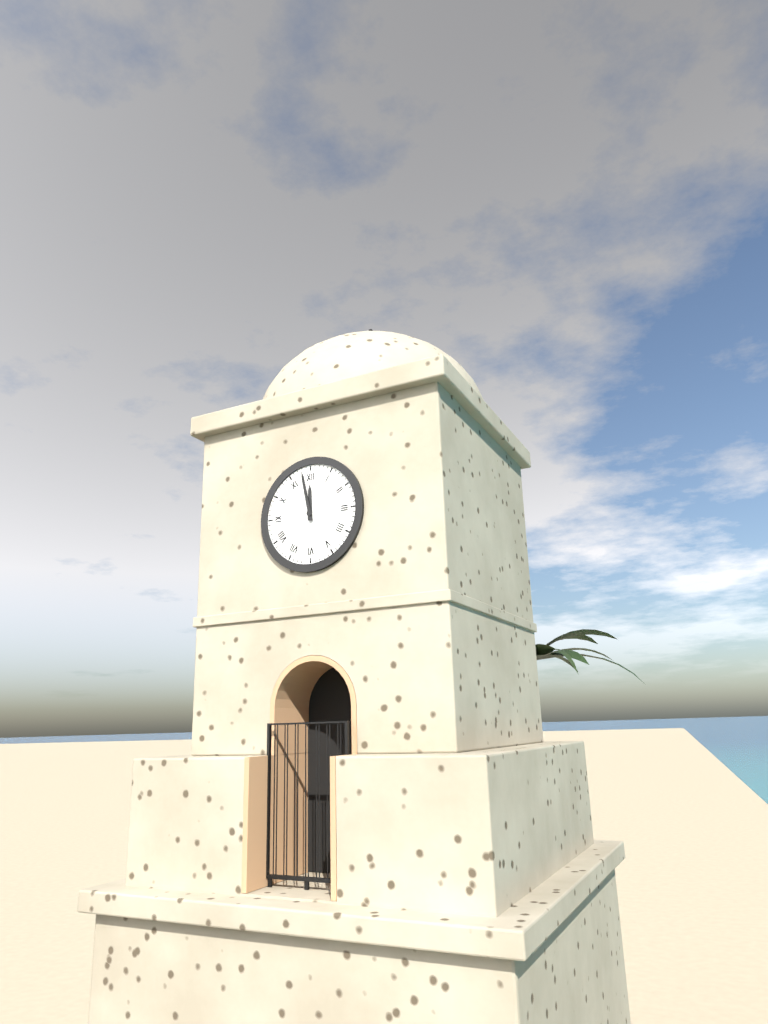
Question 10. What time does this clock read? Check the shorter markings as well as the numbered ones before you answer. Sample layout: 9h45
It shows 11h58
